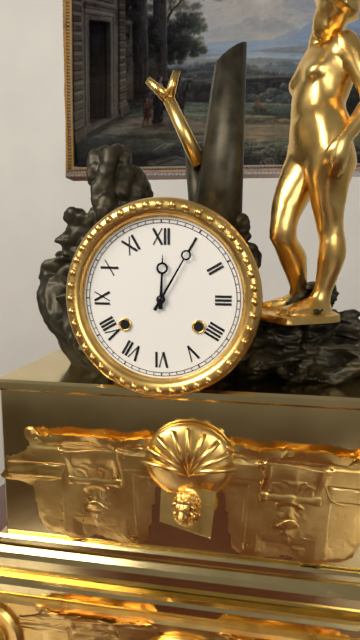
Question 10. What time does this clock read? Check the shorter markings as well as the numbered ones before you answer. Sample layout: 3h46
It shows 12h05
